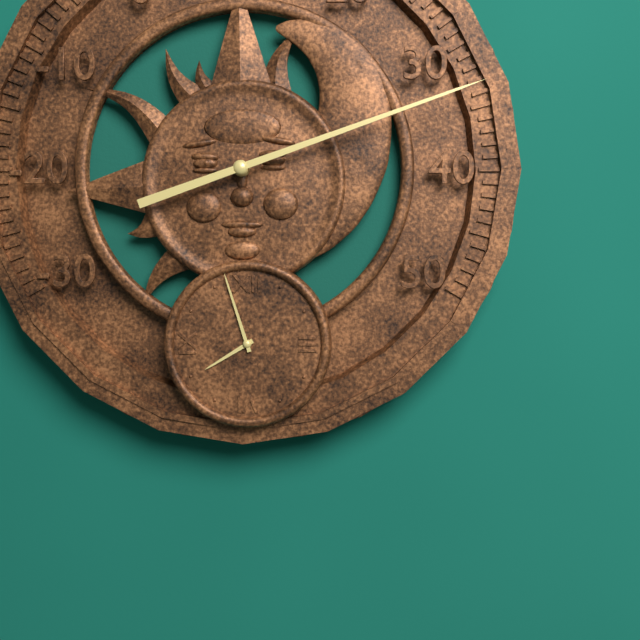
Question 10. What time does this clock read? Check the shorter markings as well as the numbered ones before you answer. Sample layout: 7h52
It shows 7h57
